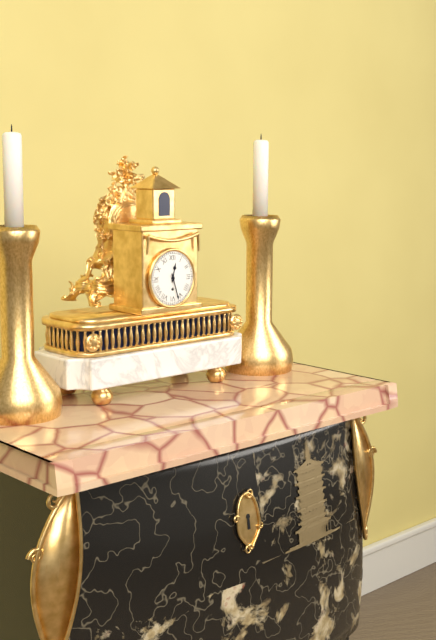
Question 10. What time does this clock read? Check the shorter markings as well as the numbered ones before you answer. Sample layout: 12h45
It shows 12h27
